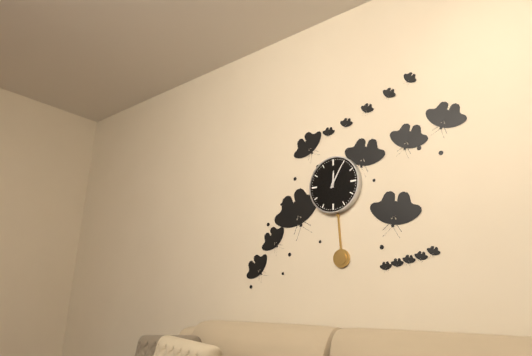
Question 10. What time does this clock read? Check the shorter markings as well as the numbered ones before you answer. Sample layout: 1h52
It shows 12h05
